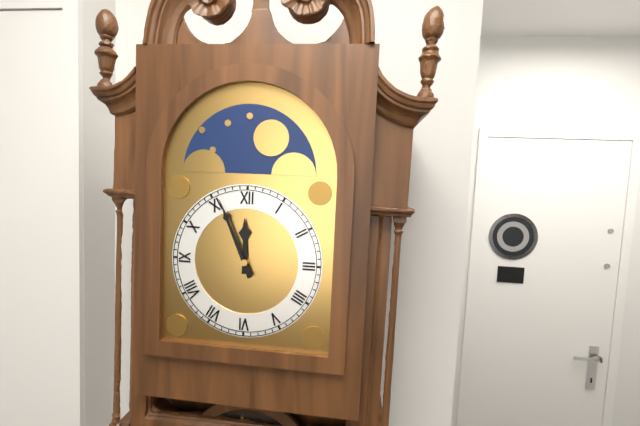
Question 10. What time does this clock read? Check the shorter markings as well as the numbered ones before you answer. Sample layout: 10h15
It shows 11h56
